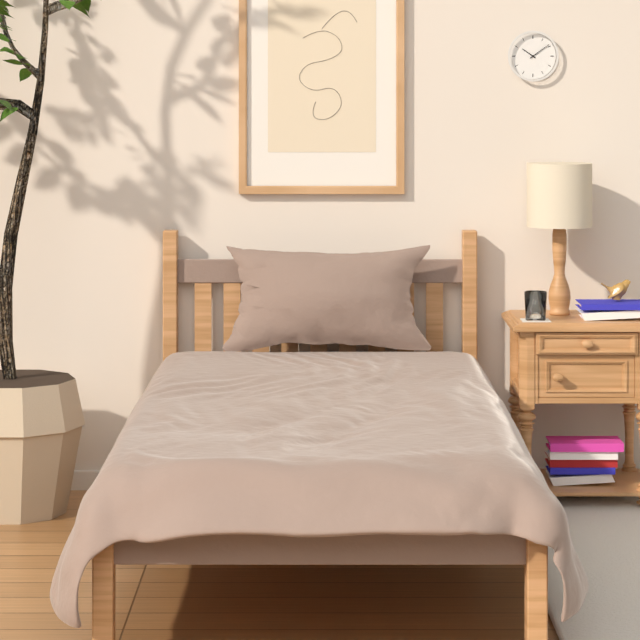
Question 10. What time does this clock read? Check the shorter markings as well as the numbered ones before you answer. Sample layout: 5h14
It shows 10h09
